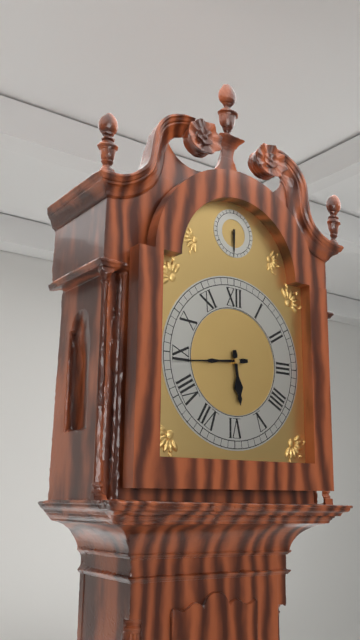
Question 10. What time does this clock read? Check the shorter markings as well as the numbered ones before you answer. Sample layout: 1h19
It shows 5h44
